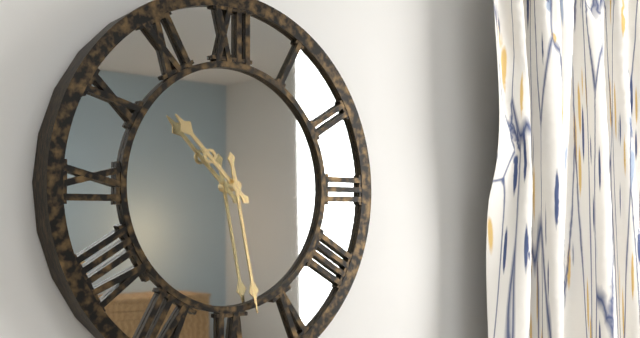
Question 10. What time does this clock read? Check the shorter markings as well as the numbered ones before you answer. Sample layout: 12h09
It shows 10h28
